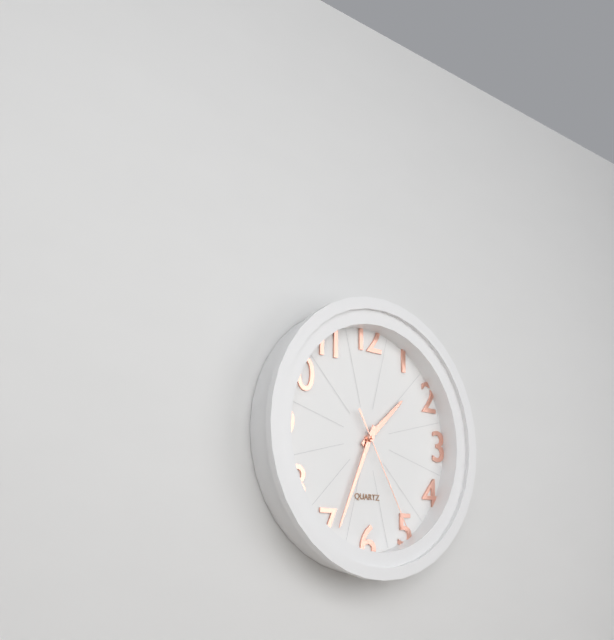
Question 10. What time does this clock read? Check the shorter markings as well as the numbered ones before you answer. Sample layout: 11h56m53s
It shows 1h34m25s
